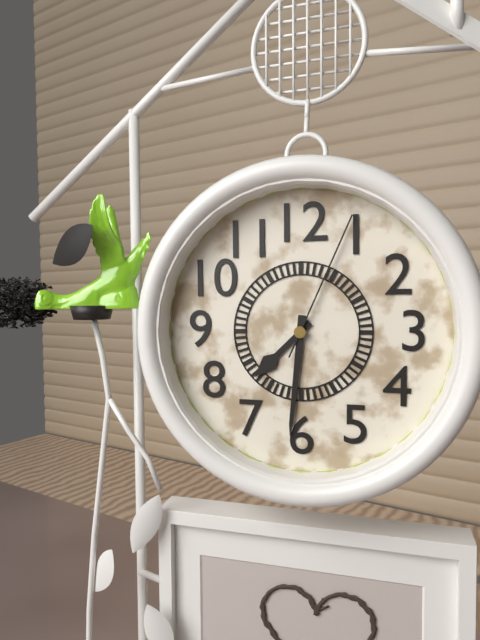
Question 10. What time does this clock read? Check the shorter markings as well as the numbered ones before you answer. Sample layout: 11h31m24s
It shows 7h31m04s
